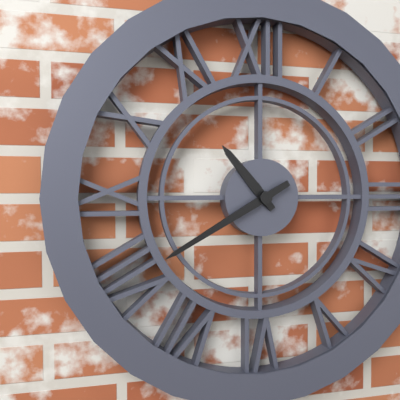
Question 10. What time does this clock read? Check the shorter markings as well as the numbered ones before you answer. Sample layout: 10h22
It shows 10h40
